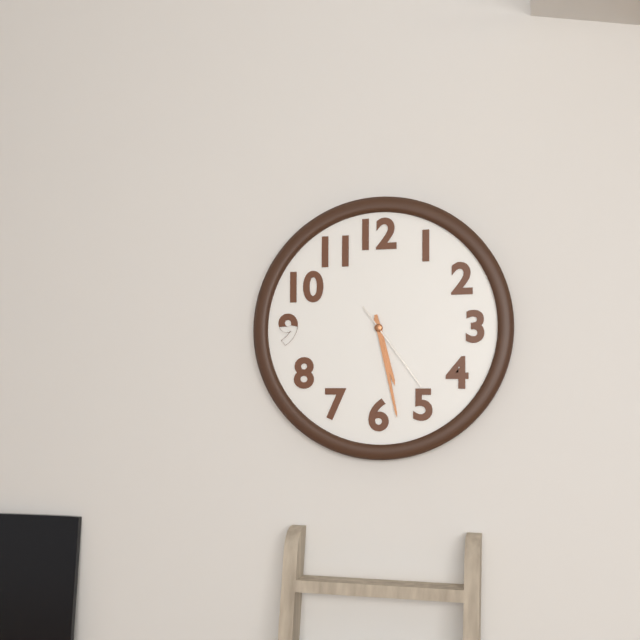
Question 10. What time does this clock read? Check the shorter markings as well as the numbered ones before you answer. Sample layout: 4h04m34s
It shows 5h28m24s
